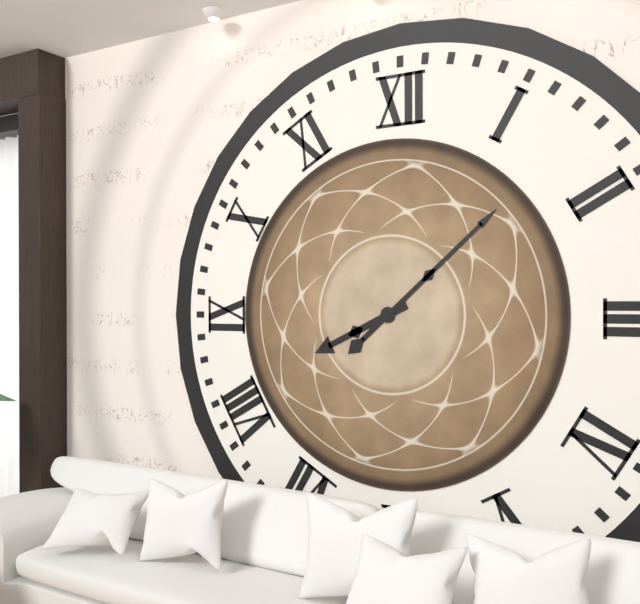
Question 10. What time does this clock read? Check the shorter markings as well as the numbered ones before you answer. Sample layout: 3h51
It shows 8h08
